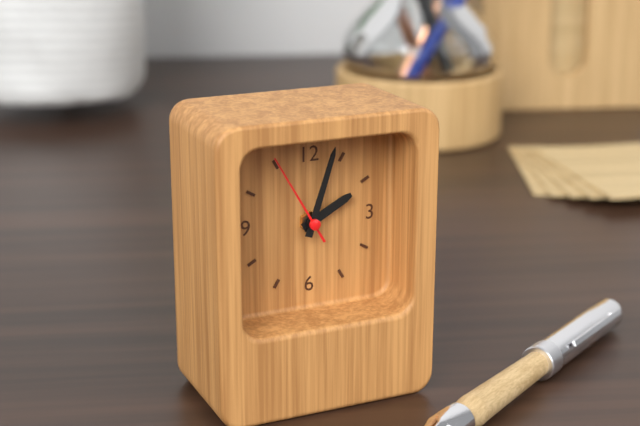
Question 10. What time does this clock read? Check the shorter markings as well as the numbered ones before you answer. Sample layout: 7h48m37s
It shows 2h03m55s
